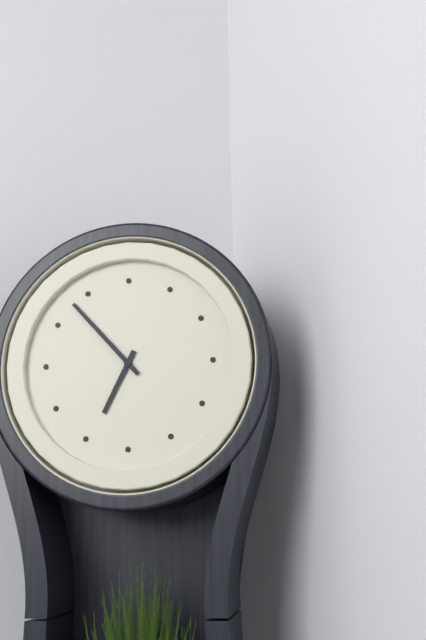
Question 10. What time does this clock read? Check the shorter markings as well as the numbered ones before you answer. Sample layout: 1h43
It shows 6h53
